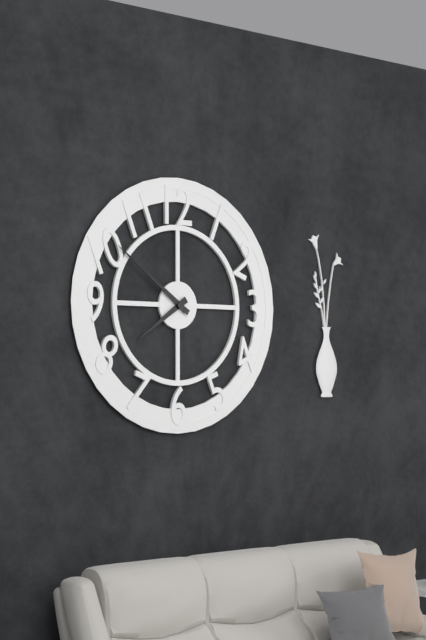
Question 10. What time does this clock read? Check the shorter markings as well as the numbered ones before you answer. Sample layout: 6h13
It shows 7h51
